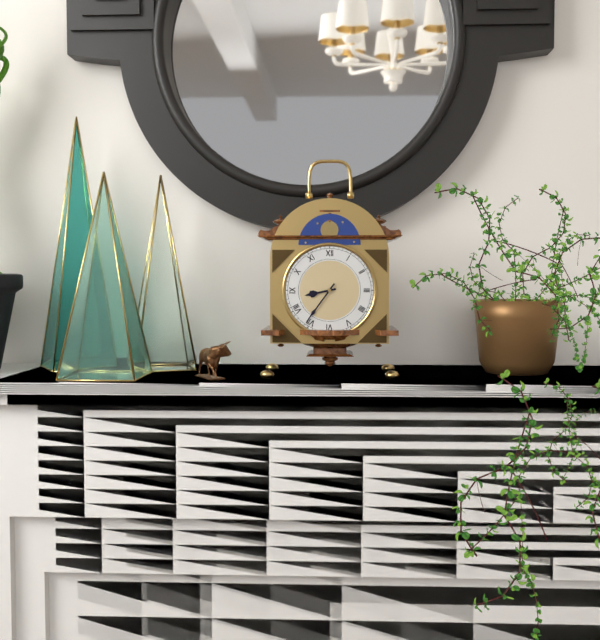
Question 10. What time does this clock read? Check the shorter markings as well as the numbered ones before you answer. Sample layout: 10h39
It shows 8h36
